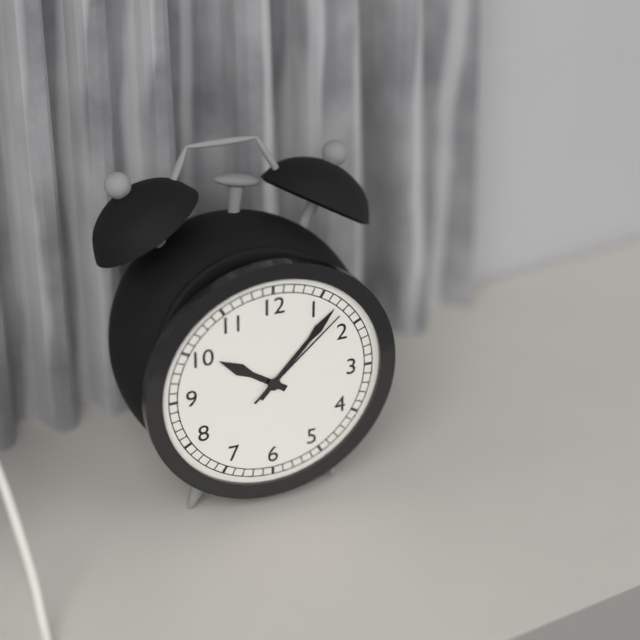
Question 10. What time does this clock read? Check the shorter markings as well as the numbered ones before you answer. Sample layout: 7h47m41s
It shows 10h07m08s
